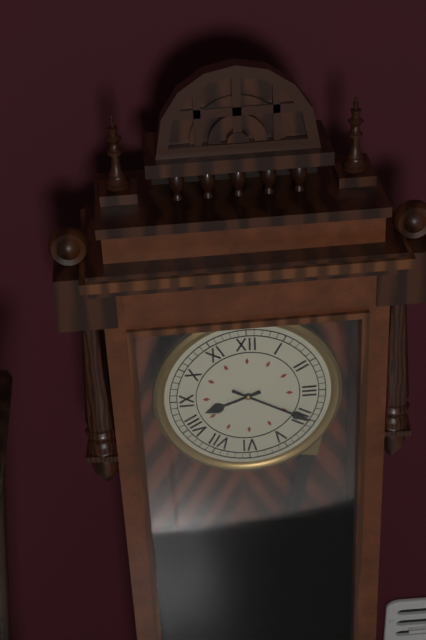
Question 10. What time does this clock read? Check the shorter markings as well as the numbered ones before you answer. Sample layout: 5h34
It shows 8h20
